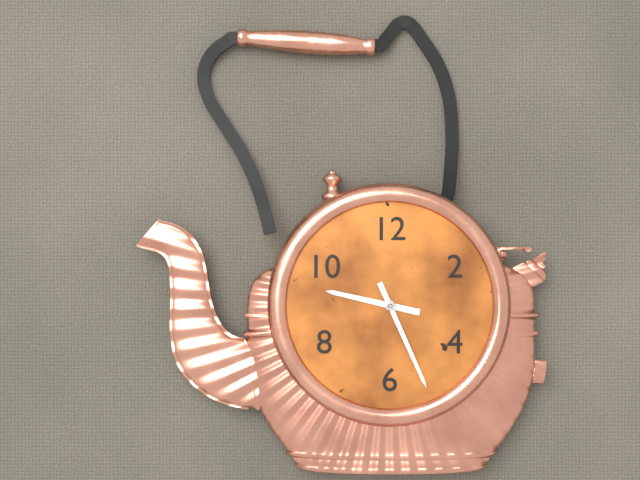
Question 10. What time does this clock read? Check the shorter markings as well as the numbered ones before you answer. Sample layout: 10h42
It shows 9h26
